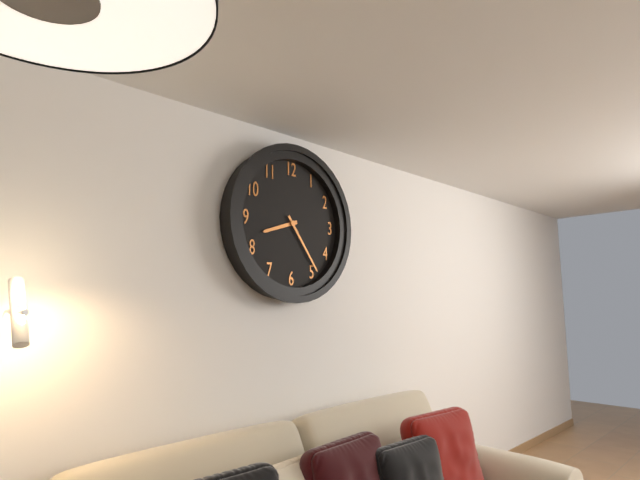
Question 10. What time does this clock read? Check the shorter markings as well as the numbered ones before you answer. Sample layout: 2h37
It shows 8h24
